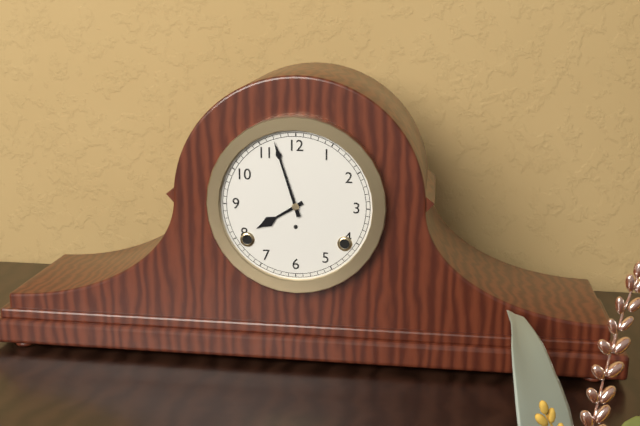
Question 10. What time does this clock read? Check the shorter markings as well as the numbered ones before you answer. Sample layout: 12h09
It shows 7h57
